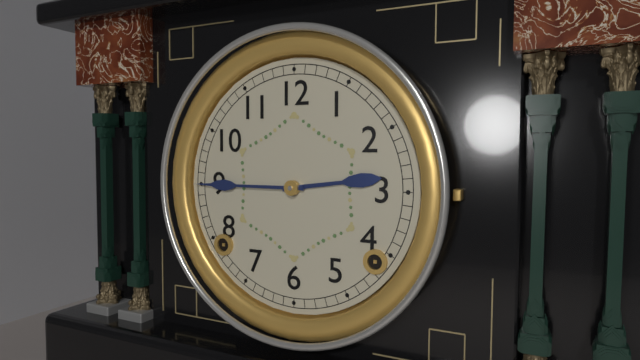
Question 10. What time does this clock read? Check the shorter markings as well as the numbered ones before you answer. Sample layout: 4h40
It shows 2h45
